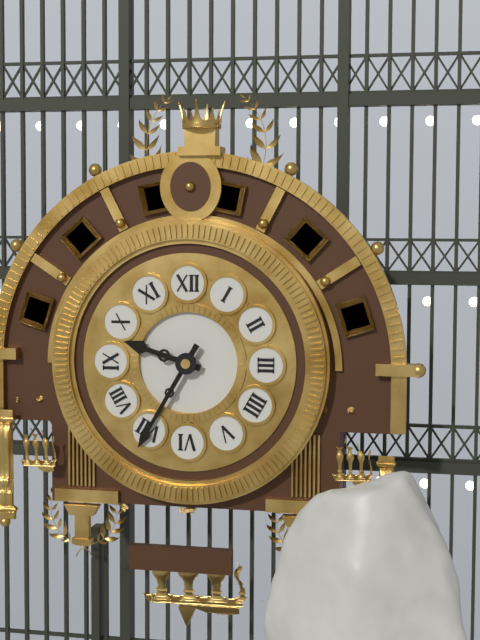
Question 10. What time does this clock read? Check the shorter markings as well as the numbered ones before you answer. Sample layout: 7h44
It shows 9h35
